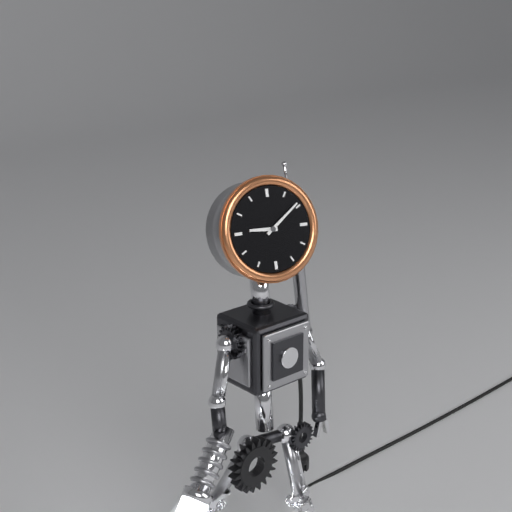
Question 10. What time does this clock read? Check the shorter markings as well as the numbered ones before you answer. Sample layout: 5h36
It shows 9h09
